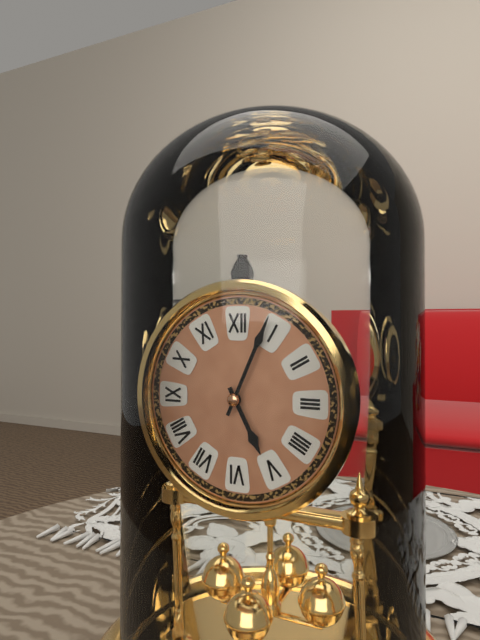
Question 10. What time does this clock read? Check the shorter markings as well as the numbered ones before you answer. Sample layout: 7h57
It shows 5h04
